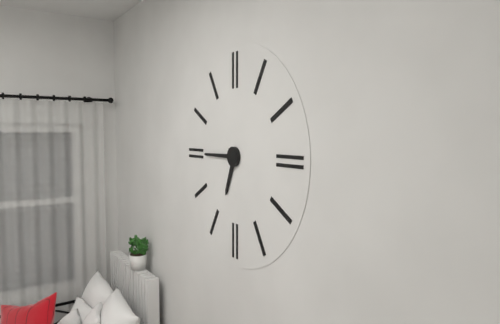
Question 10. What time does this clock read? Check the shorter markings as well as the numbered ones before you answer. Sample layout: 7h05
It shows 6h45
